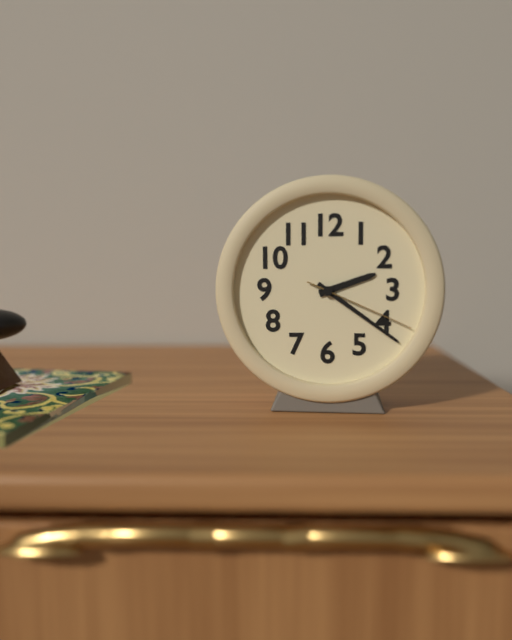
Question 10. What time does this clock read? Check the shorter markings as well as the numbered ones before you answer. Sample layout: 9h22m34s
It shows 2h21m19s
